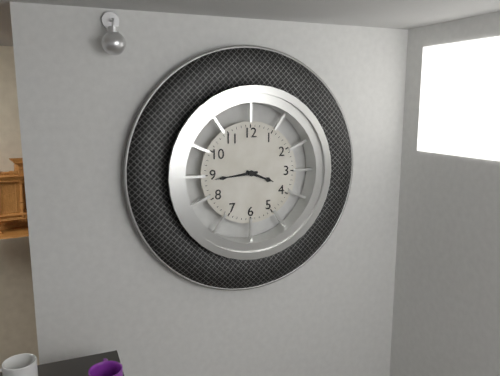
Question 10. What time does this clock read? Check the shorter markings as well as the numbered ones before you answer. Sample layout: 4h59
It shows 3h44
